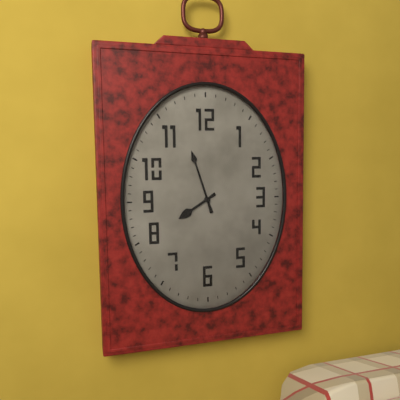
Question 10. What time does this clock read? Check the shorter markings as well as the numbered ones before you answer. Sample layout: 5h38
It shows 7h57
